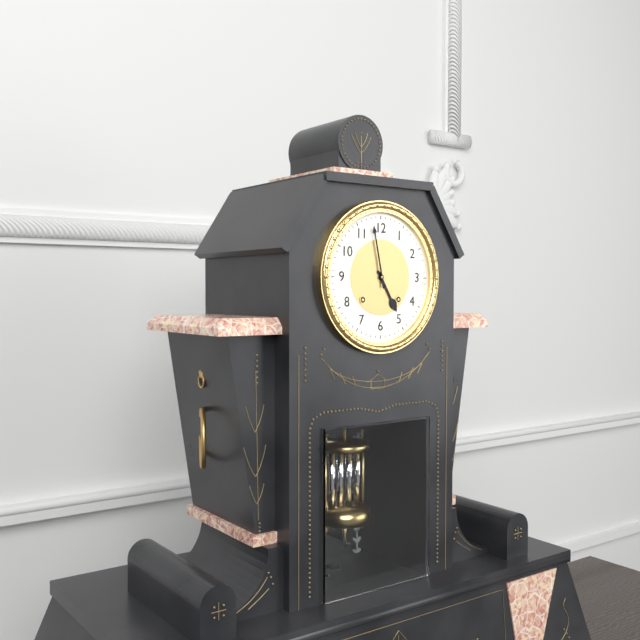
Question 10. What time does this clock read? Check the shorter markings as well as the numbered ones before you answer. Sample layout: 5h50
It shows 4h58
